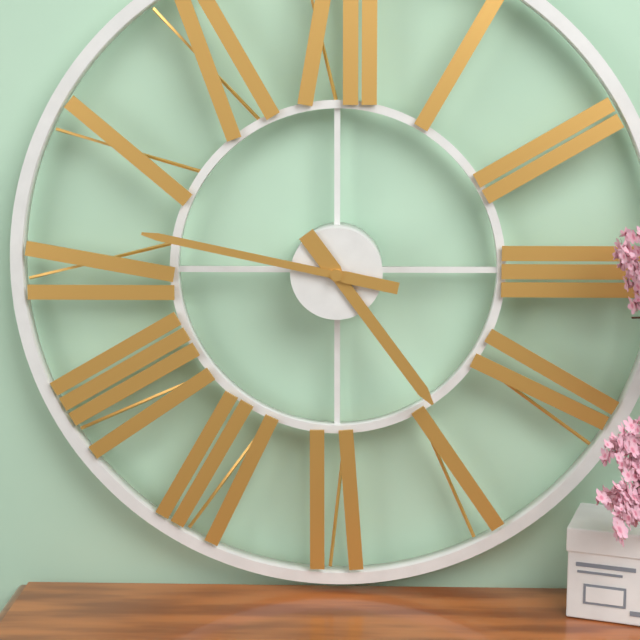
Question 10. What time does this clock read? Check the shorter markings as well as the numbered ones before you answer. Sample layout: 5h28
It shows 4h47
